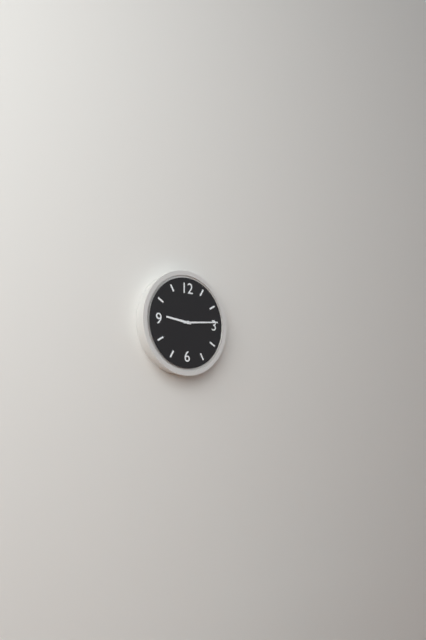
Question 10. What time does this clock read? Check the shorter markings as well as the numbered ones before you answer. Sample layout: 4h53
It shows 9h14
